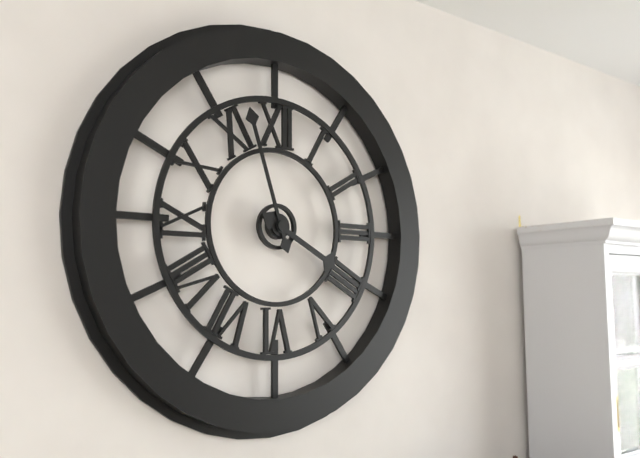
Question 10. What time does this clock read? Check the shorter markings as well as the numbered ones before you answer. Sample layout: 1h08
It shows 3h57
